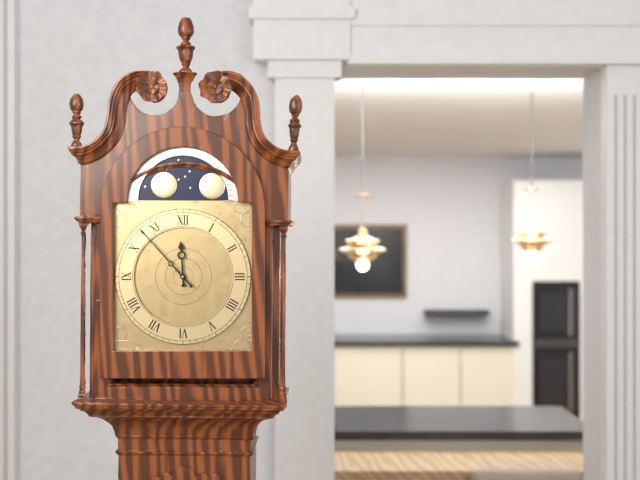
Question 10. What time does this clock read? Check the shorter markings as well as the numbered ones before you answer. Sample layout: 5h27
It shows 11h53
